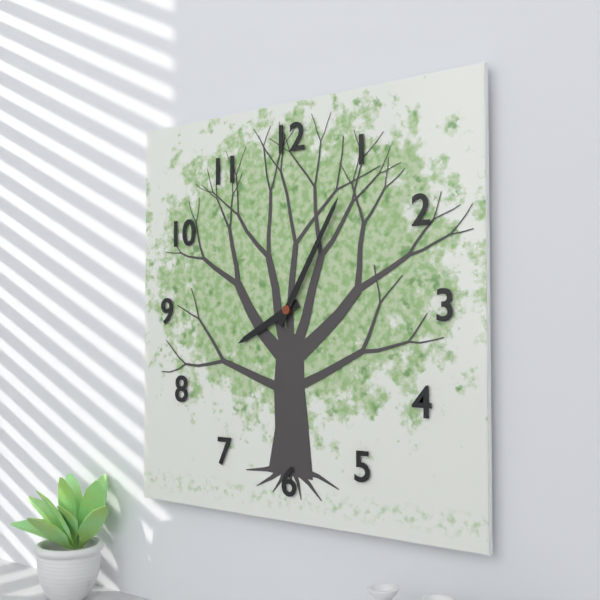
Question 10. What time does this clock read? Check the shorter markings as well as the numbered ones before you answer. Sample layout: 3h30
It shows 8h05
